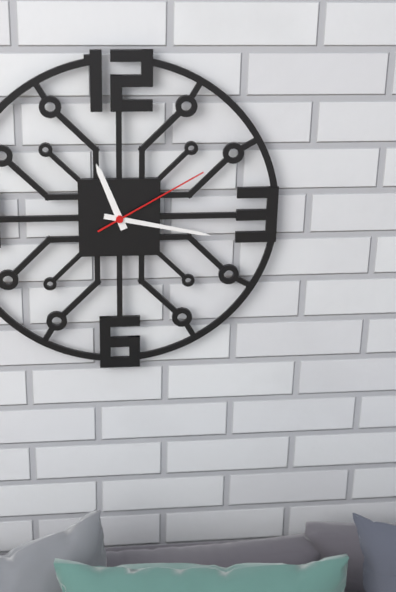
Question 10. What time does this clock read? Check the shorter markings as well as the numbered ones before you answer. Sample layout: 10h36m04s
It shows 11h17m10s
